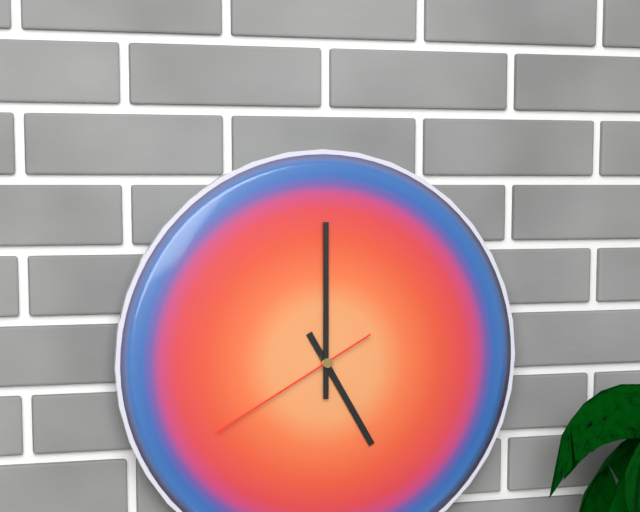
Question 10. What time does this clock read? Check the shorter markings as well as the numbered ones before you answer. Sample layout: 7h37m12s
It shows 5h00m40s
